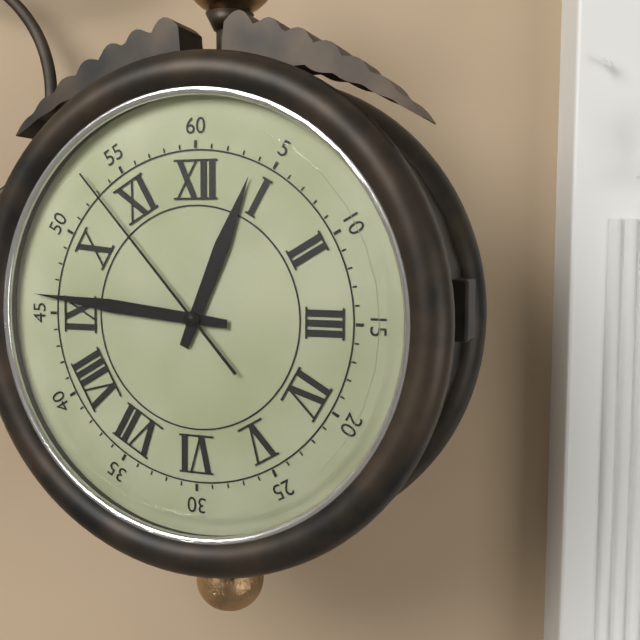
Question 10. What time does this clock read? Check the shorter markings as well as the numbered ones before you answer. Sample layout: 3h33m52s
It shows 12h46m53s
